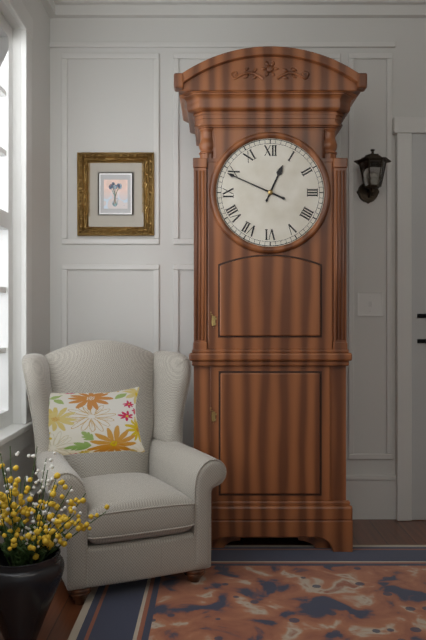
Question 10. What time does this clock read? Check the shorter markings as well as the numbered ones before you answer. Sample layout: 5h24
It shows 12h49
